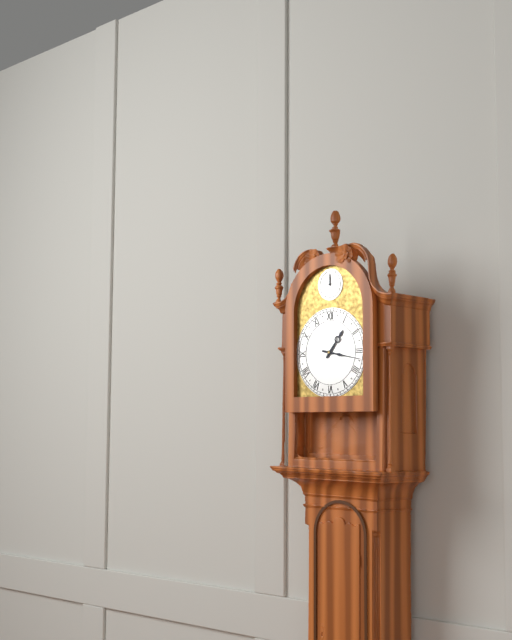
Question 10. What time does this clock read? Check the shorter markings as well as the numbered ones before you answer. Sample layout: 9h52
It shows 1h17
